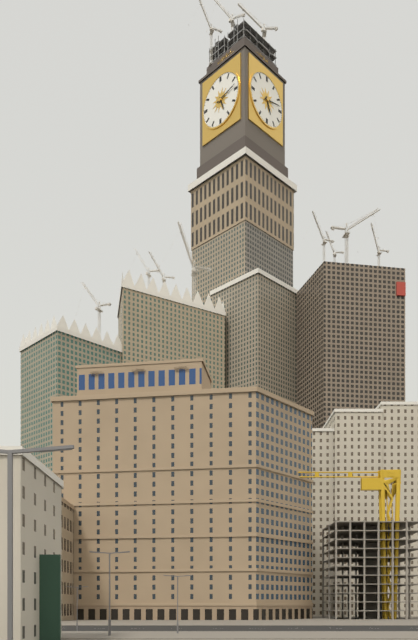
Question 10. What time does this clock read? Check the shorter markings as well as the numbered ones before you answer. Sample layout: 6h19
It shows 5h13
